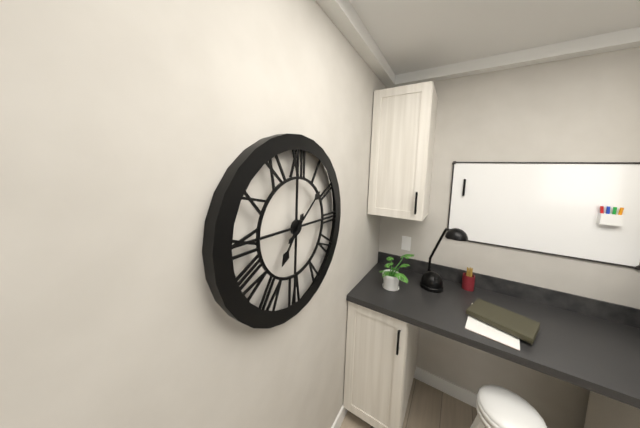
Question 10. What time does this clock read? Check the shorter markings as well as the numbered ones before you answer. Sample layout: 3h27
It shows 7h08
